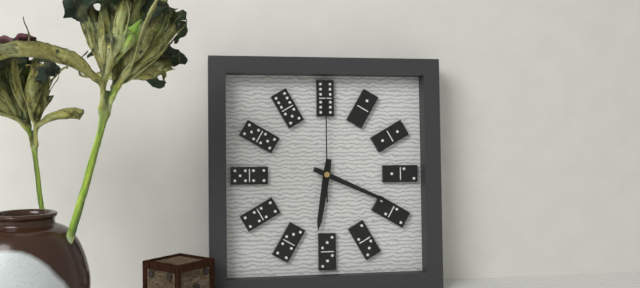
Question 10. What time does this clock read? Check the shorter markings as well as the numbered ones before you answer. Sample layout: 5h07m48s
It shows 6h19m00s
